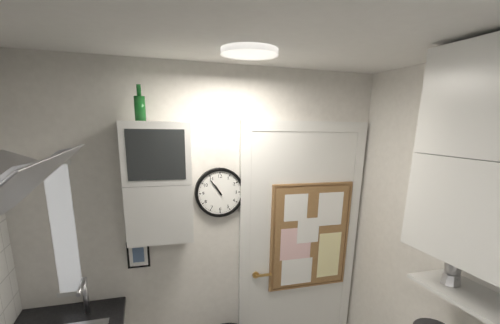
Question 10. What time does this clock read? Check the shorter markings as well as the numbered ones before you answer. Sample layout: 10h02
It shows 10h54
